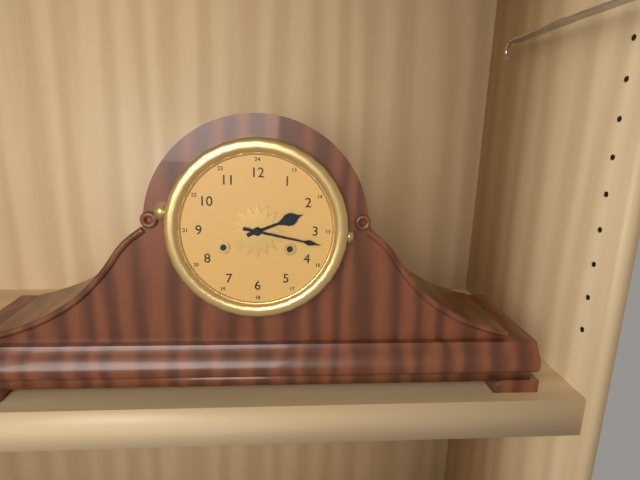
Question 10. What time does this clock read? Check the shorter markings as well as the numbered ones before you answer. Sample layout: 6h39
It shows 2h17
